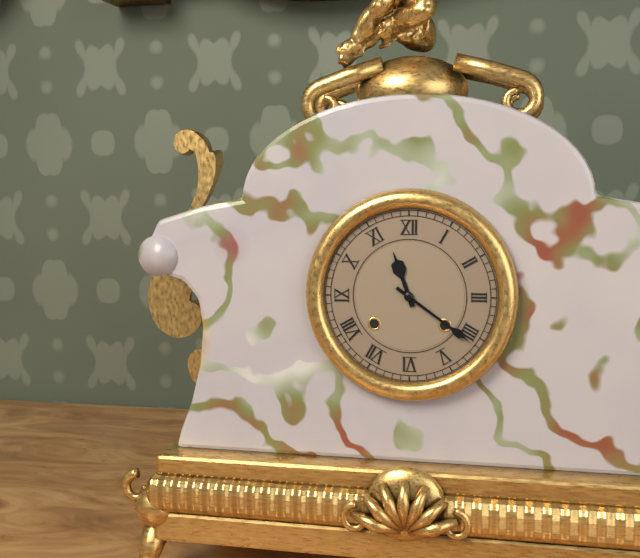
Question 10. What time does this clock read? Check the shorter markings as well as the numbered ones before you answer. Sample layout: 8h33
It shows 11h21
